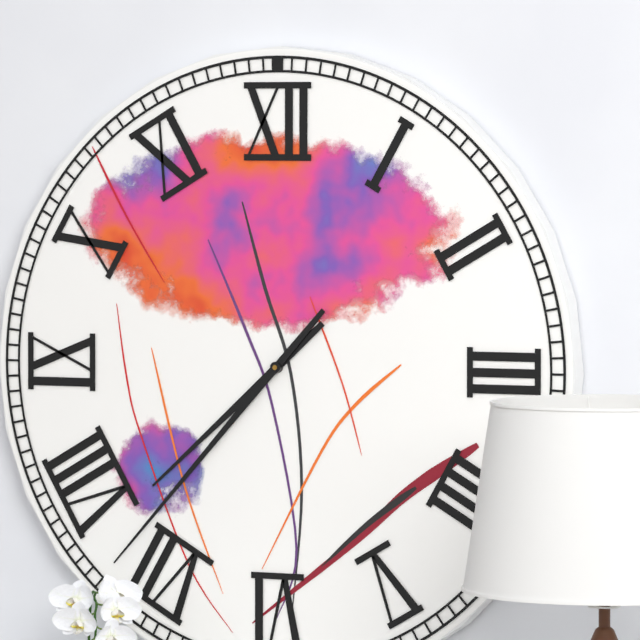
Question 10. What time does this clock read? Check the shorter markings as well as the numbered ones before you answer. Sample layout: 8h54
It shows 7h37
